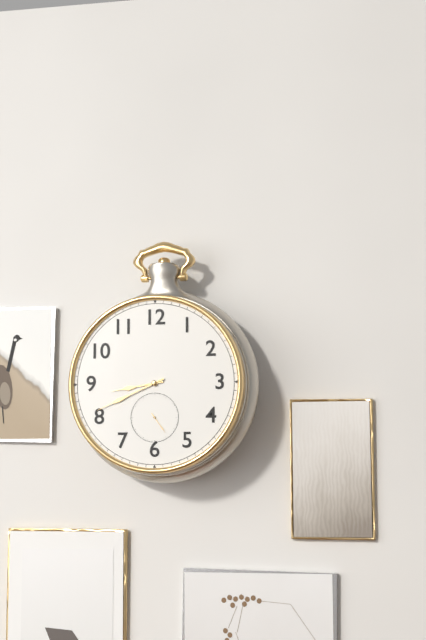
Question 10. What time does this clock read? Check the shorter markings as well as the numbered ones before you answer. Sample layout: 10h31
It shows 8h41
